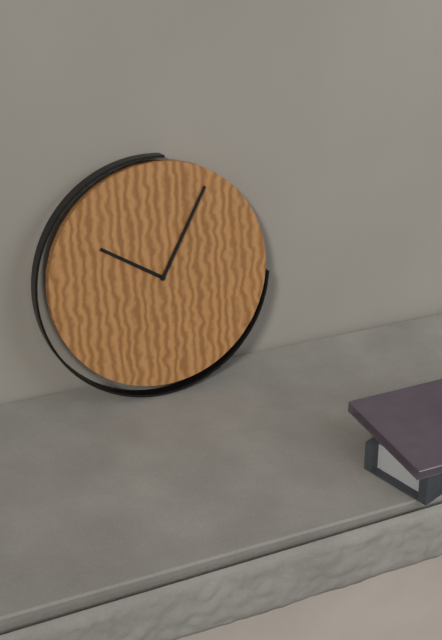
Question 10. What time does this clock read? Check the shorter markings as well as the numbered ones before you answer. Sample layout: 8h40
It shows 10h05
